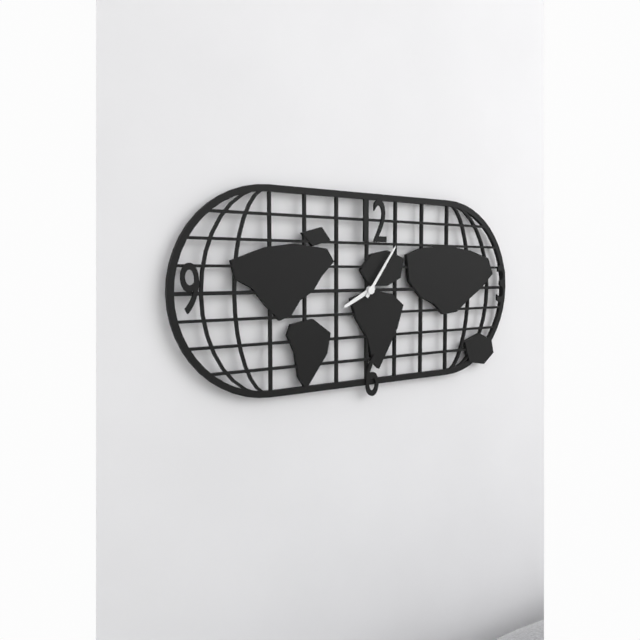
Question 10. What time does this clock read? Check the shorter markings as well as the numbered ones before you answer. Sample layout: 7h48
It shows 8h06
